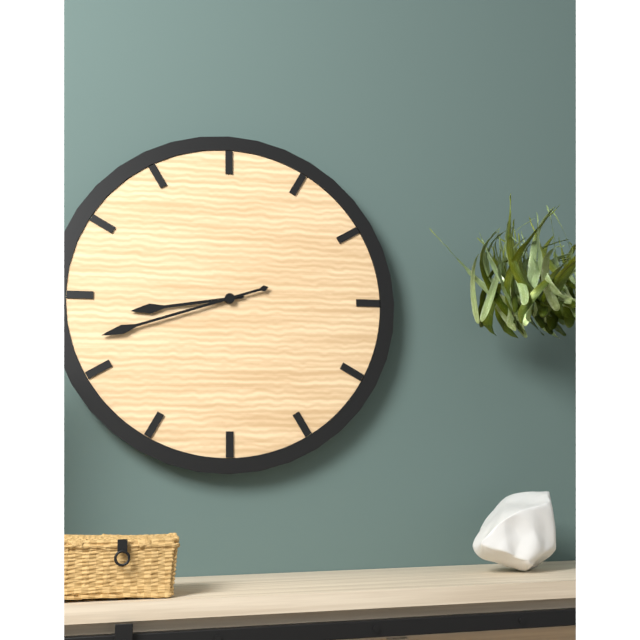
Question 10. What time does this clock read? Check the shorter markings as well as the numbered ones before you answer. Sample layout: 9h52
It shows 8h42
